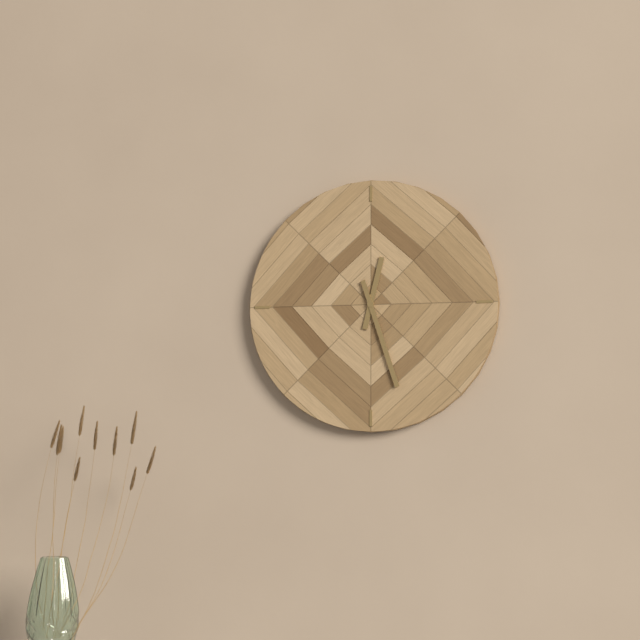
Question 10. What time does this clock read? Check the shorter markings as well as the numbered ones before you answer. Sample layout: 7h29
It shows 12h27
